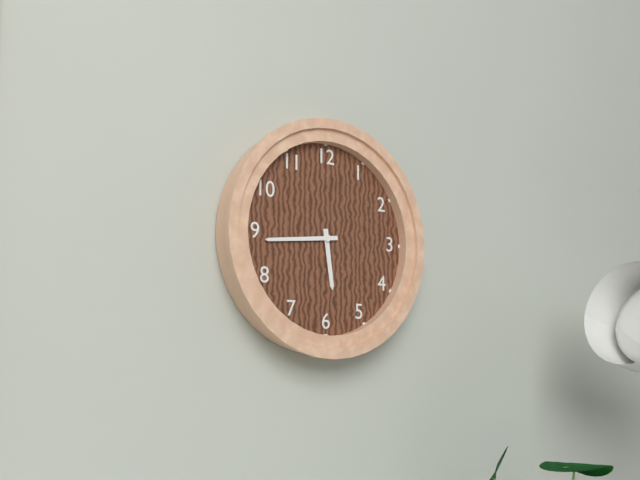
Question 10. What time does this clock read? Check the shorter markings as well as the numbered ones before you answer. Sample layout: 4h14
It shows 5h44
